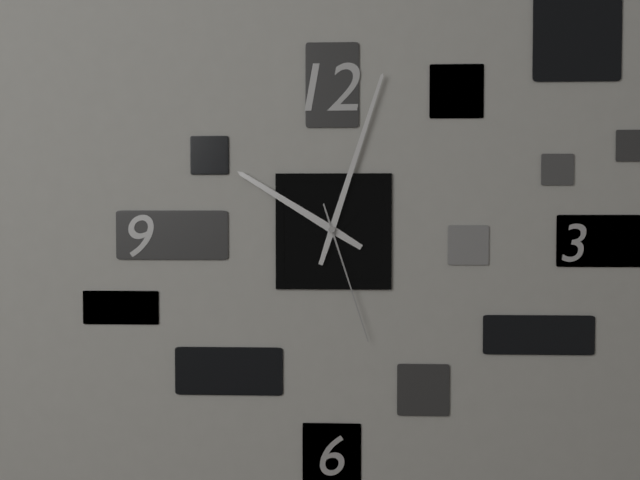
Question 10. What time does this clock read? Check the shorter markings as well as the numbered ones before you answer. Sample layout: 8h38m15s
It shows 10h03m27s
